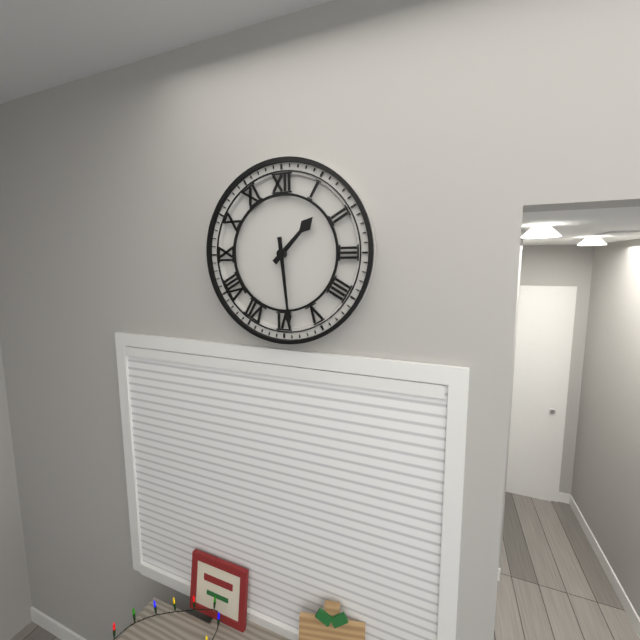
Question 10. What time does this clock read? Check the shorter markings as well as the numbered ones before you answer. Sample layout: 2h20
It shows 1h29
